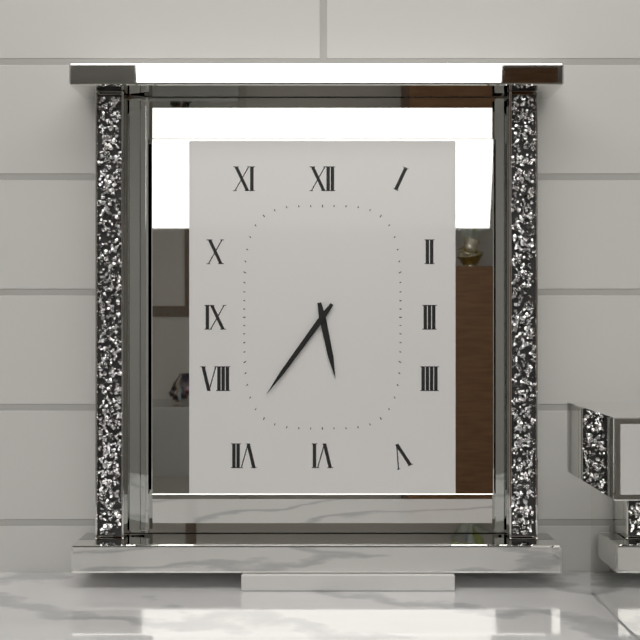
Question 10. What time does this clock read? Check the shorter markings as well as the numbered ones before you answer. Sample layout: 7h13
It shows 5h36
